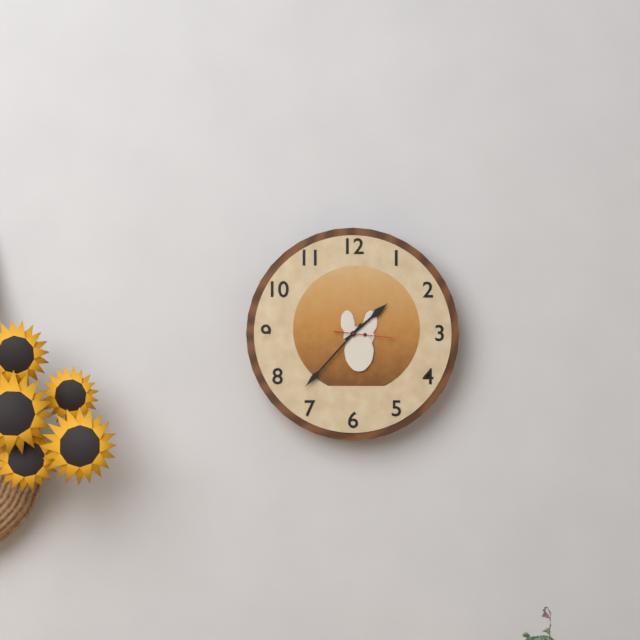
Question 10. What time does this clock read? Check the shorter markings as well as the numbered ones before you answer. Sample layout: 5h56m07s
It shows 1h37m16s
